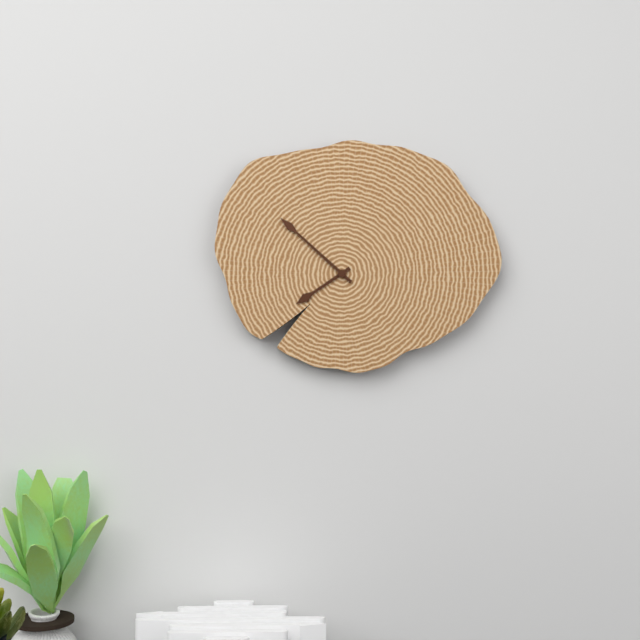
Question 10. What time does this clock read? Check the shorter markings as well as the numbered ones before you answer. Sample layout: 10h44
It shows 7h52
